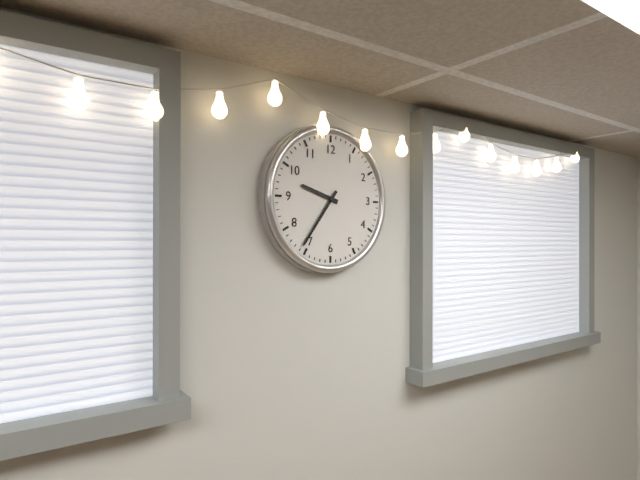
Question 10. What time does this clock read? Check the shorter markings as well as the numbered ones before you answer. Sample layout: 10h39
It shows 9h36
